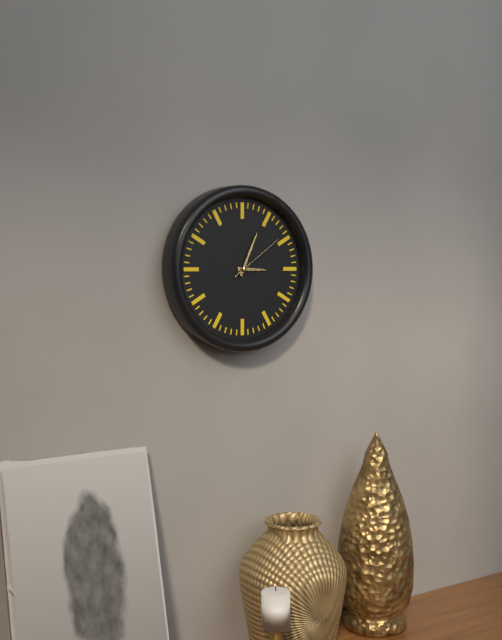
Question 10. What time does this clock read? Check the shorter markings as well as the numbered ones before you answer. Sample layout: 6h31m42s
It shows 3h04m09s
